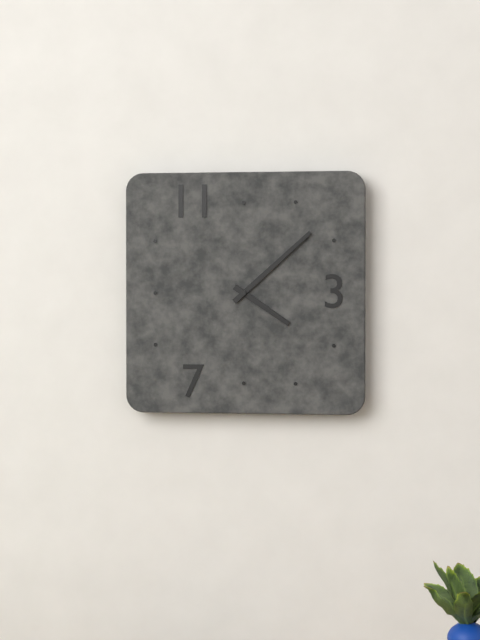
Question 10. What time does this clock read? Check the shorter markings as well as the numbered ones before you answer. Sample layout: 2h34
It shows 4h08
